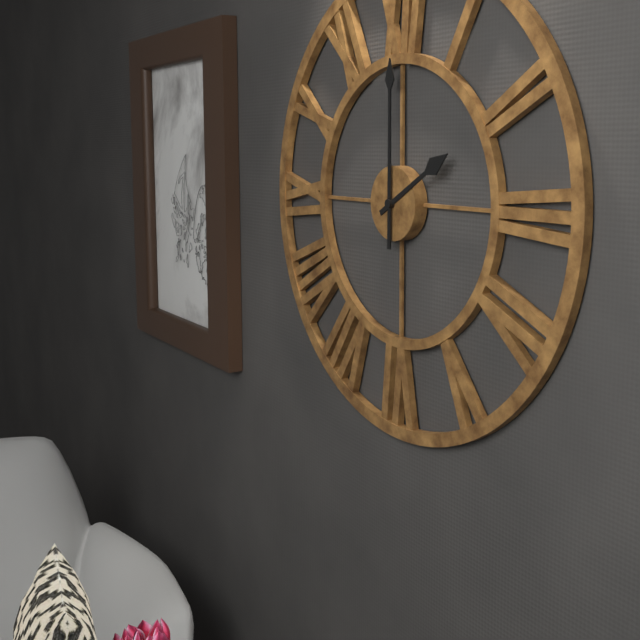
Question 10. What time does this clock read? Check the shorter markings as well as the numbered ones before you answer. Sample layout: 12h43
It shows 2h00
